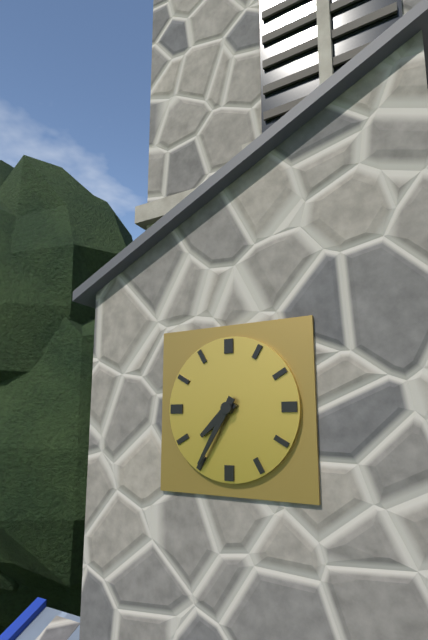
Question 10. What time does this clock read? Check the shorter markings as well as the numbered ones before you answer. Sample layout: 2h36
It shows 7h35
